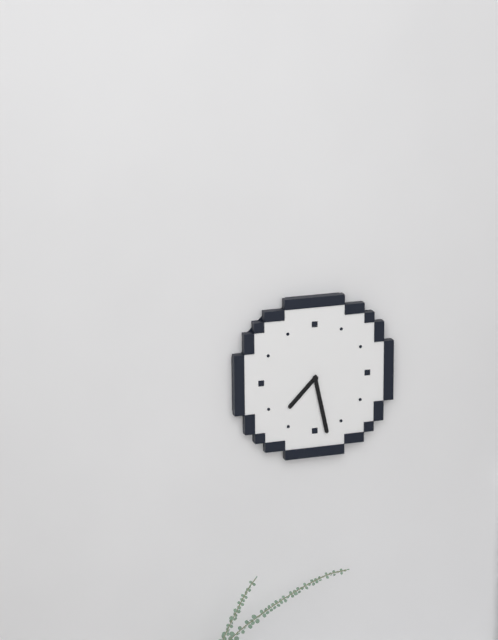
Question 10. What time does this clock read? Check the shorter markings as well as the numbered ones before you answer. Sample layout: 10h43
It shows 7h28
